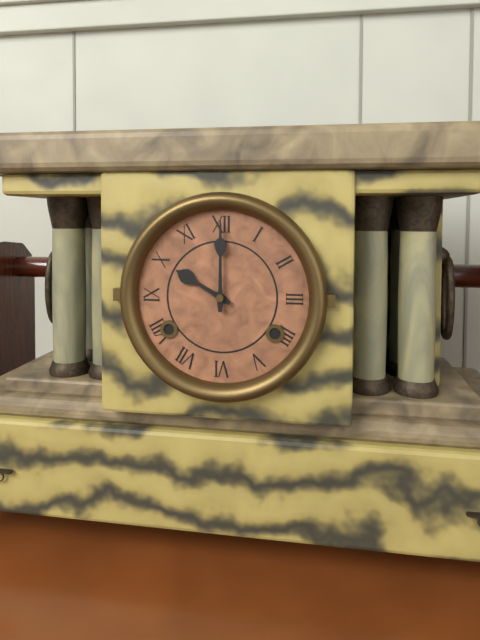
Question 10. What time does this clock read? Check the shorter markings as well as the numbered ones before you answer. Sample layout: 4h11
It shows 10h00
